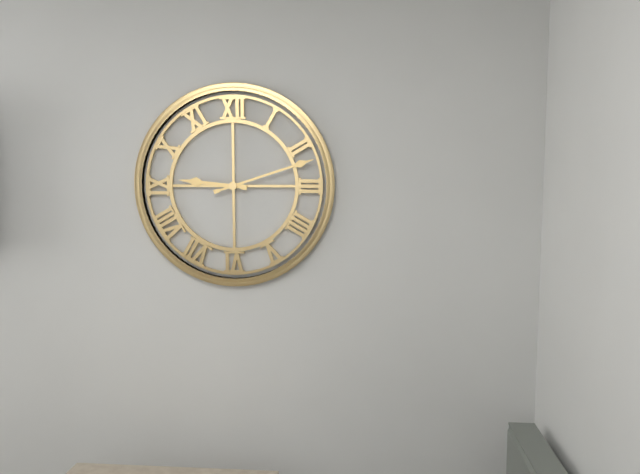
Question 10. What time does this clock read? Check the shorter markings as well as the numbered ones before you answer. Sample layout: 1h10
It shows 9h12
